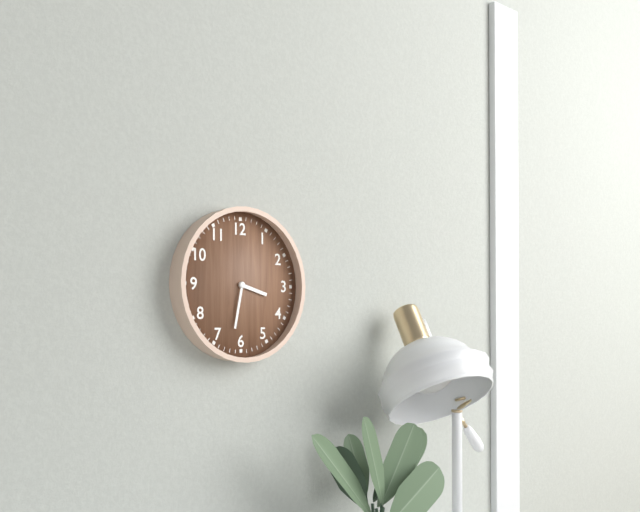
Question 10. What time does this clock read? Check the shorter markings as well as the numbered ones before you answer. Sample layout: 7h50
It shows 3h32
